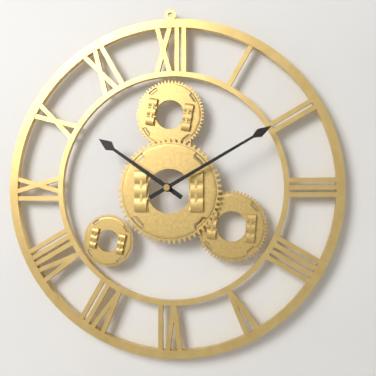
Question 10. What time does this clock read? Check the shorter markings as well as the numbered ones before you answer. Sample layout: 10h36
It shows 10h10
